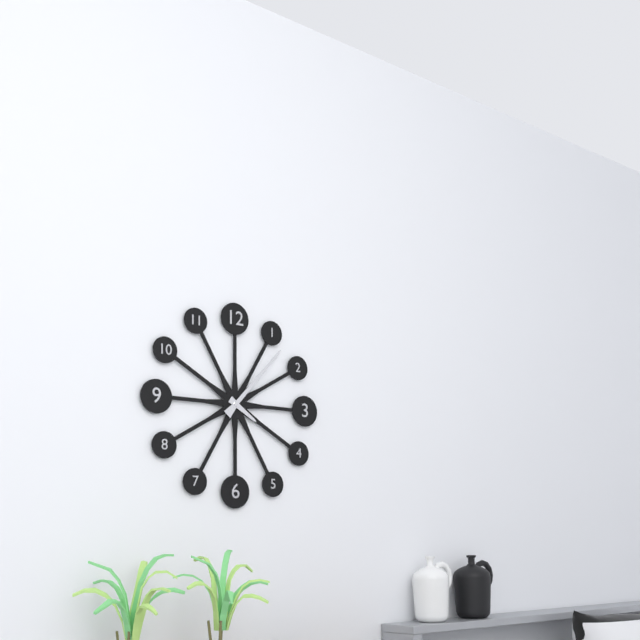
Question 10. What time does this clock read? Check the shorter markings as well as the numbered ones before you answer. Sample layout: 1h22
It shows 4h07
